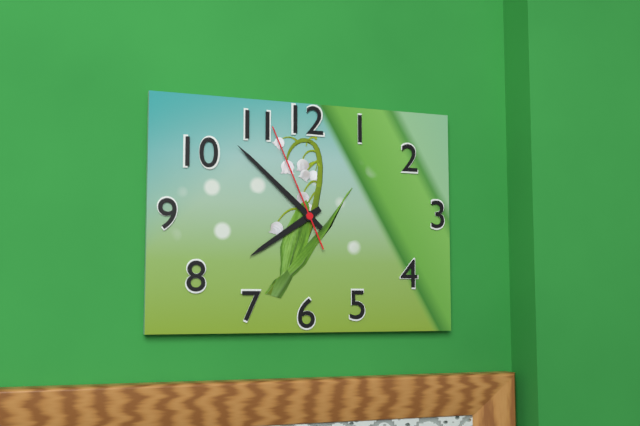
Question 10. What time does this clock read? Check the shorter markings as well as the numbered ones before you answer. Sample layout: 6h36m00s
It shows 7h52m56s
